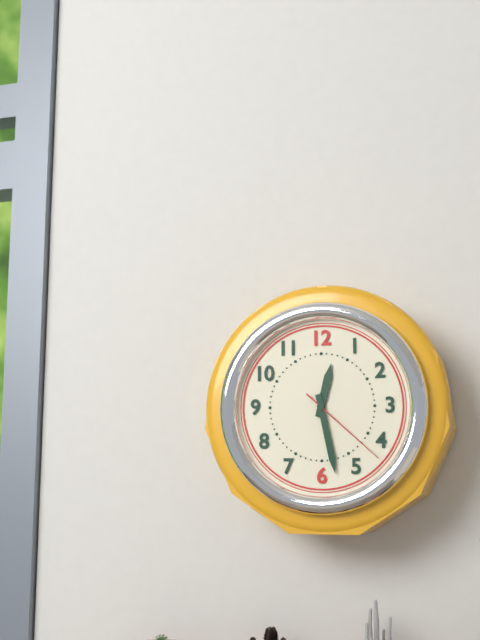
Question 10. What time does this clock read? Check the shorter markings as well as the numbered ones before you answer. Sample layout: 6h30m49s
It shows 12h28m22s
